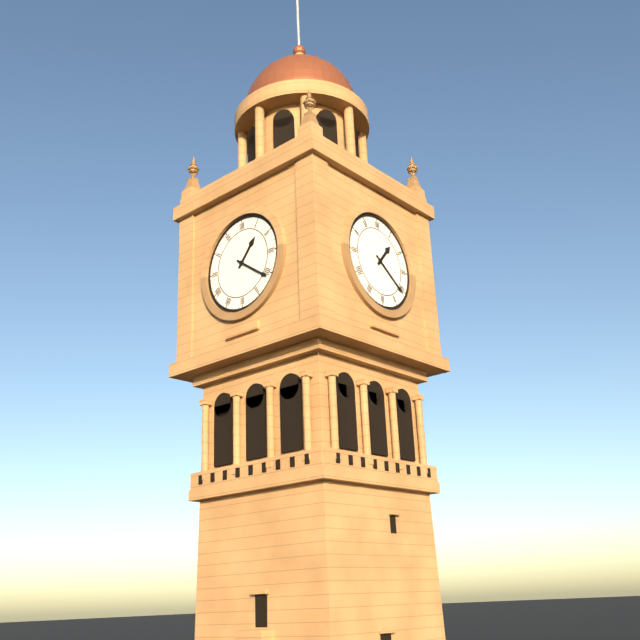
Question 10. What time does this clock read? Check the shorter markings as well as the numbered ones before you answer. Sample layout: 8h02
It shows 1h21
